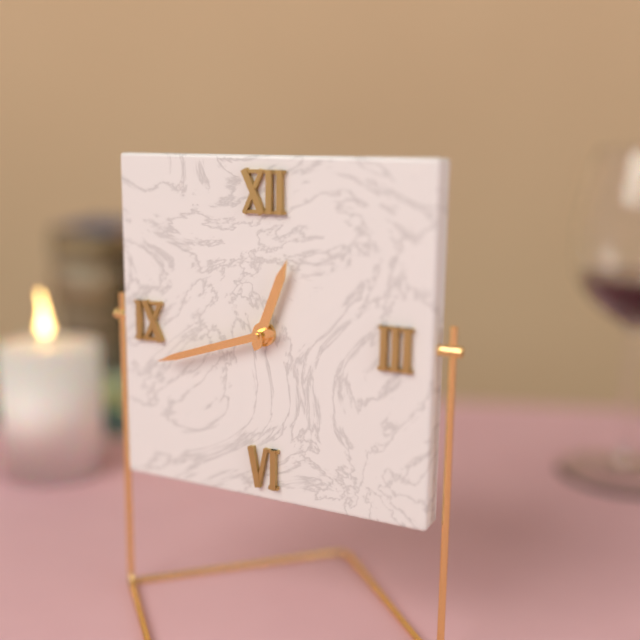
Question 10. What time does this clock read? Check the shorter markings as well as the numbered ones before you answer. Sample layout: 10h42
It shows 12h42
